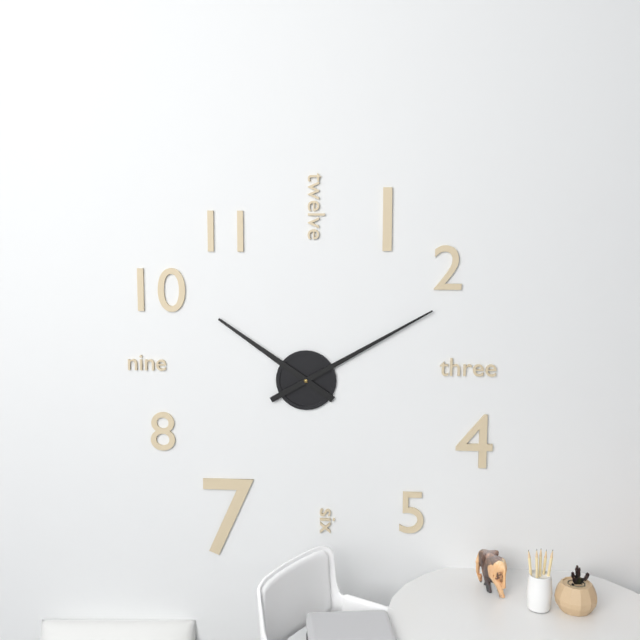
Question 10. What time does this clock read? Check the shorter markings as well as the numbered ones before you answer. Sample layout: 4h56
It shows 10h10
